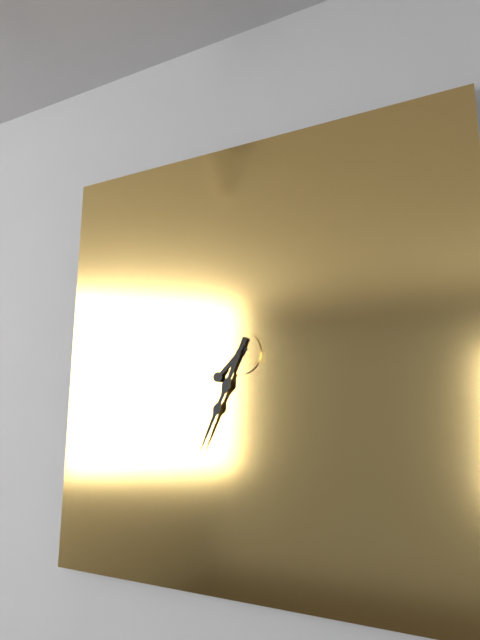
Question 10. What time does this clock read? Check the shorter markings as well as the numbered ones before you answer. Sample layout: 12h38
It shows 7h34
